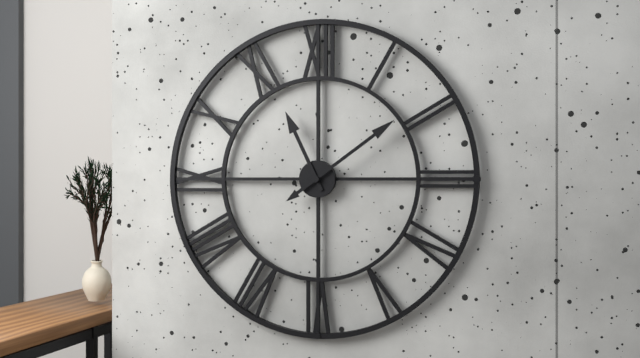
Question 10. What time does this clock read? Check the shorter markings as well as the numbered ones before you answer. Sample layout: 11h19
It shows 11h09
